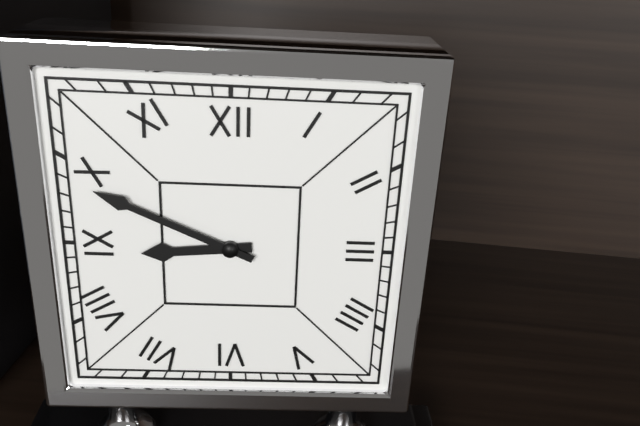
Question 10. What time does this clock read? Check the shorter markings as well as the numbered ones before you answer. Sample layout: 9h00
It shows 8h49
